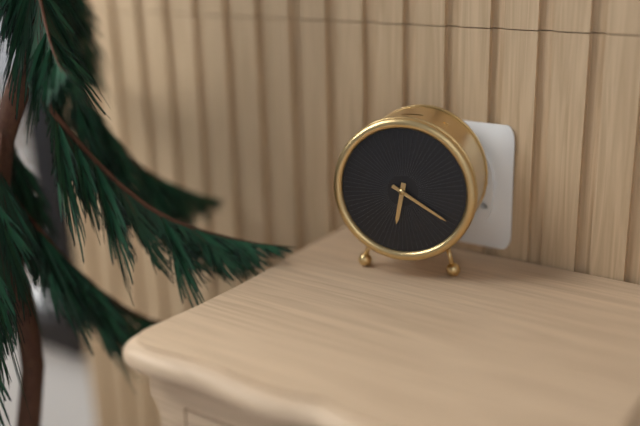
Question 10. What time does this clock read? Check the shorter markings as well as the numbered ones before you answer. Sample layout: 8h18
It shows 6h20
